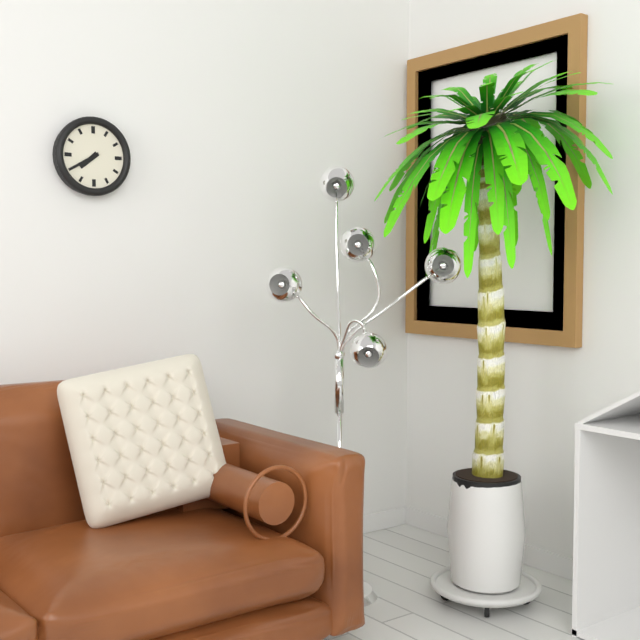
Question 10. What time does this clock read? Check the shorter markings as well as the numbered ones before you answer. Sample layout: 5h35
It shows 7h40
